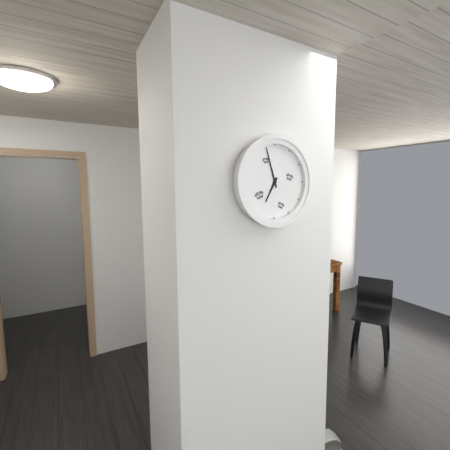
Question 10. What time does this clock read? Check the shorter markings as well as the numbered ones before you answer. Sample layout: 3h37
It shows 6h57
